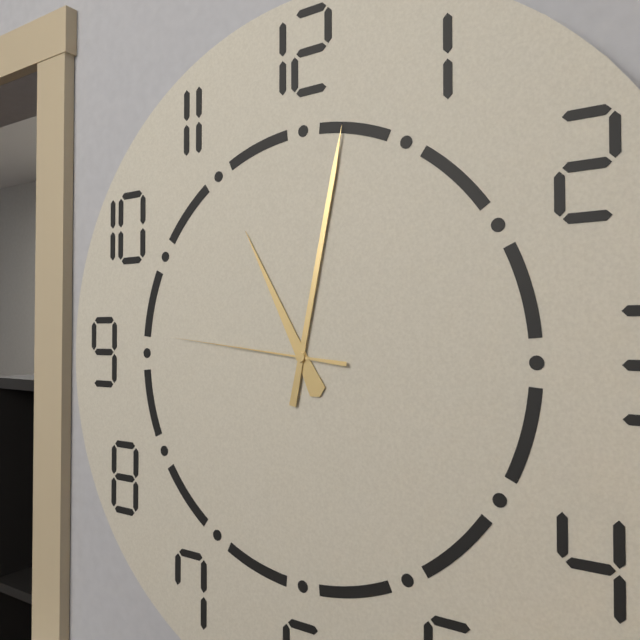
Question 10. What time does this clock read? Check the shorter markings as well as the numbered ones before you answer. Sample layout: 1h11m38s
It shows 11h02m46s
